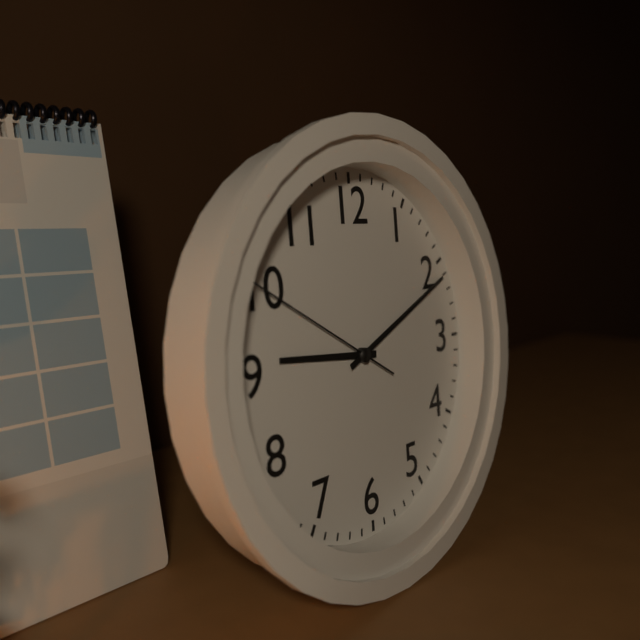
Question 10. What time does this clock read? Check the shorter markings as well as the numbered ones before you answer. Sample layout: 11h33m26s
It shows 9h11m50s
